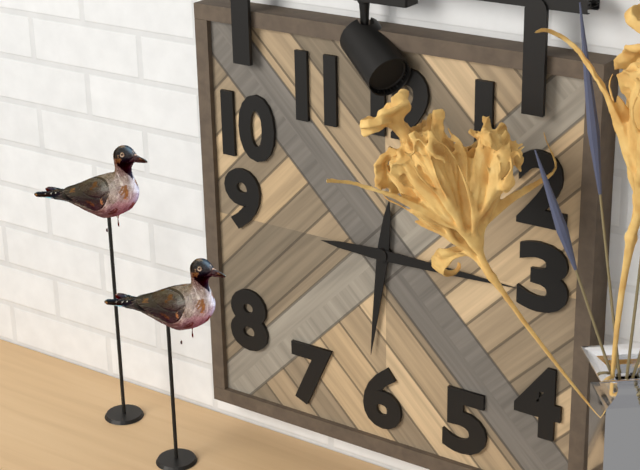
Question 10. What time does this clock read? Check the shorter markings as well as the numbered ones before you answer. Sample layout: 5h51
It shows 6h15
